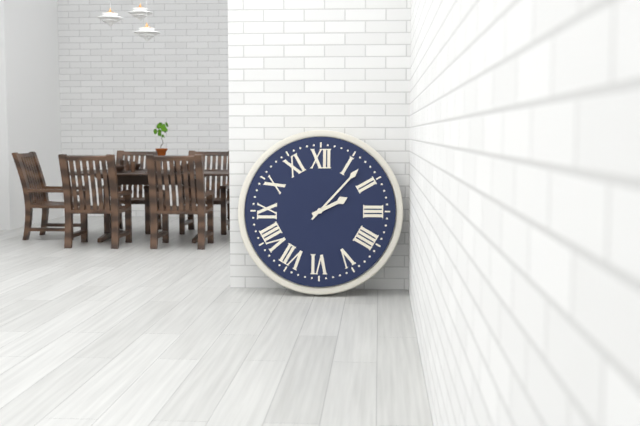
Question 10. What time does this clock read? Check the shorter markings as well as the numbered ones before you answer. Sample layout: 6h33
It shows 2h07
